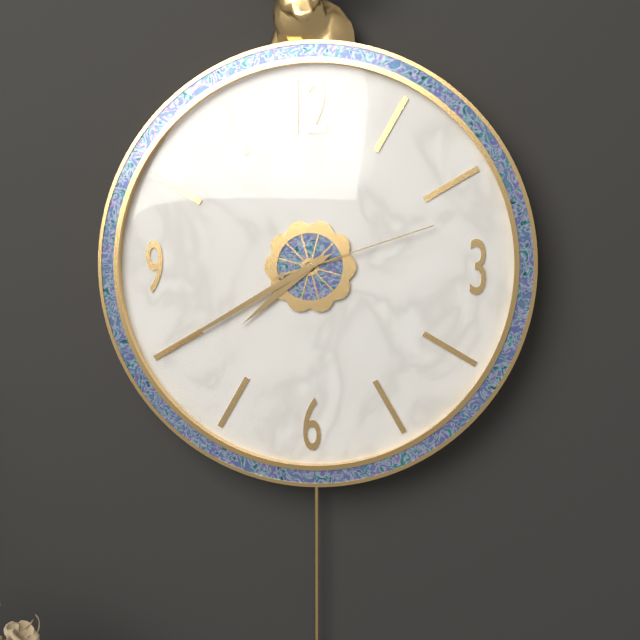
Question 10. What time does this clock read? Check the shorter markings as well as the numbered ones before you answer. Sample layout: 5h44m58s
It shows 7h40m12s
